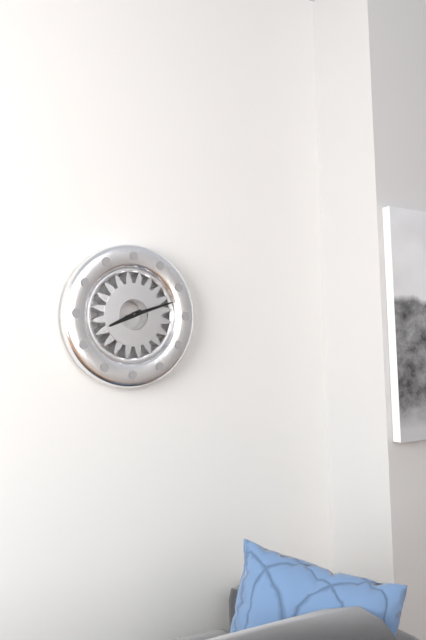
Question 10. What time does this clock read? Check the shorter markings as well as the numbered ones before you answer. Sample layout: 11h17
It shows 8h12
